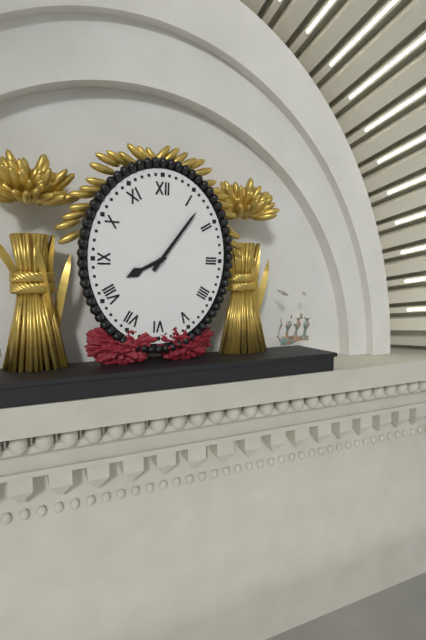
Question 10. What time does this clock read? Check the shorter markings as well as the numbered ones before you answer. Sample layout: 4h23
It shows 8h06
